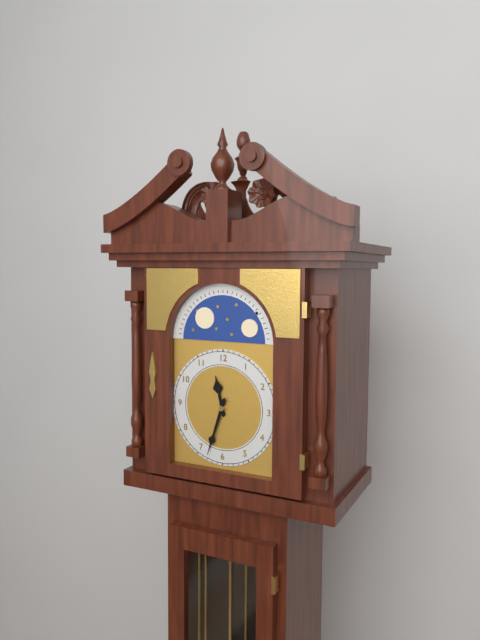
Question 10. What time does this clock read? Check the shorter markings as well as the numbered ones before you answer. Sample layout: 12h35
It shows 11h33
